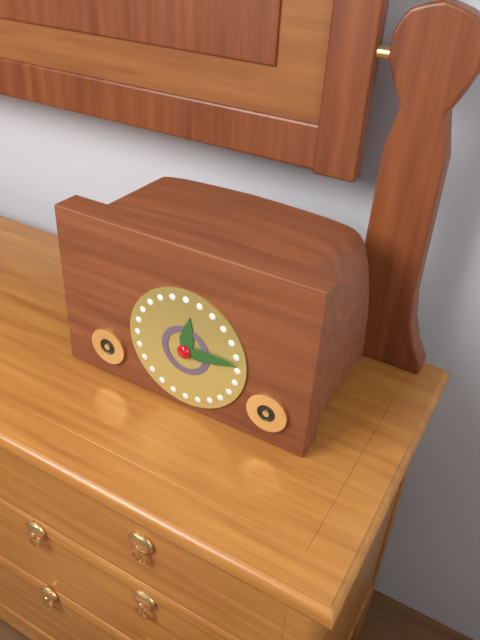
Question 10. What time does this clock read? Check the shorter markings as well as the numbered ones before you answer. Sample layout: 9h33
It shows 12h14
